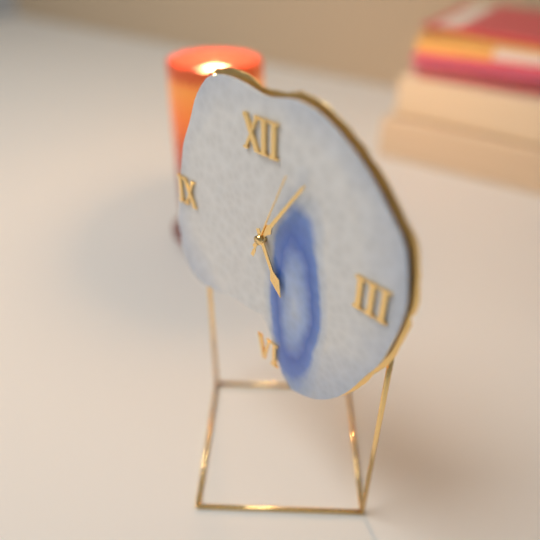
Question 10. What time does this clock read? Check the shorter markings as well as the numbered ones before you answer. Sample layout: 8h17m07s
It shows 5h06m04s
